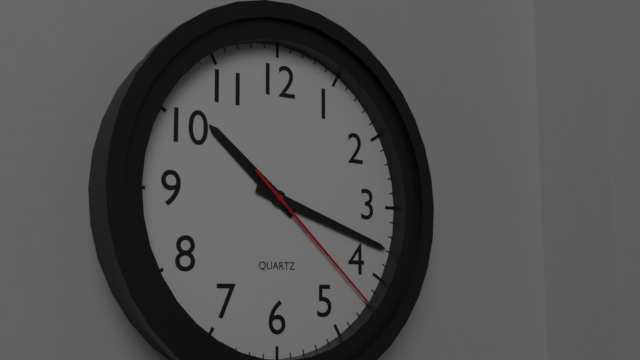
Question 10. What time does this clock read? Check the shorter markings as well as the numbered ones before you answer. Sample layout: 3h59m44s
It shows 10h18m22s
